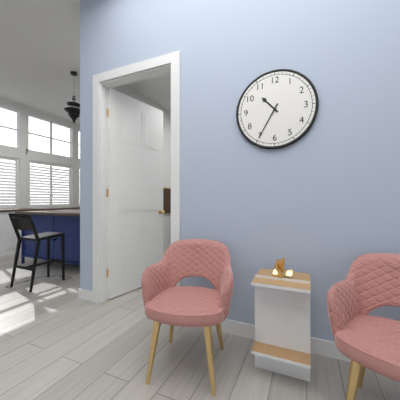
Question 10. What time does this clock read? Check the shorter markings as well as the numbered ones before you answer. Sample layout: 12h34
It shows 10h35
